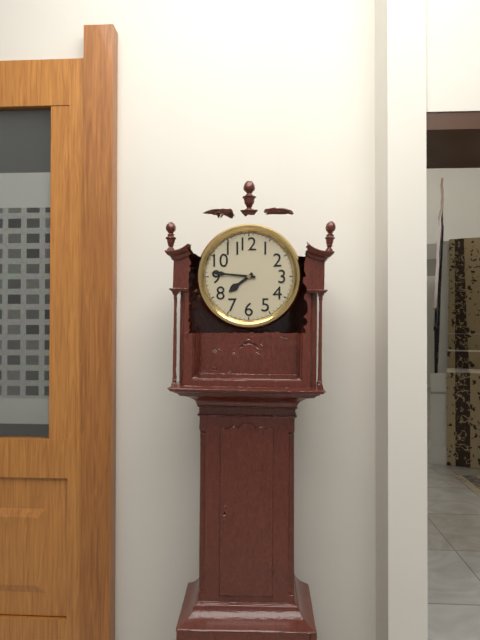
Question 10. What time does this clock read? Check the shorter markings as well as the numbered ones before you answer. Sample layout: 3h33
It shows 7h46
